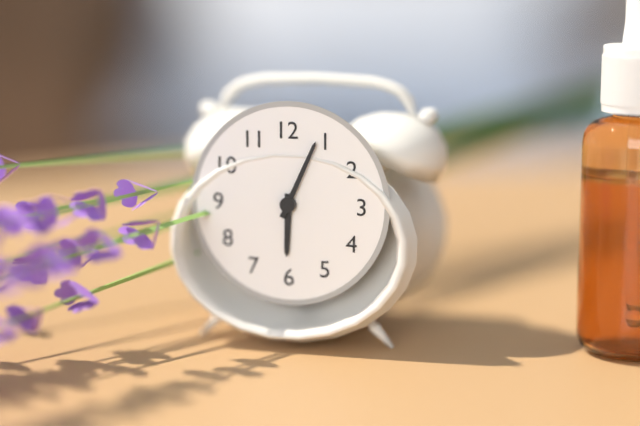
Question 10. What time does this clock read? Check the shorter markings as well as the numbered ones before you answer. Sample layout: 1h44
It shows 6h04
